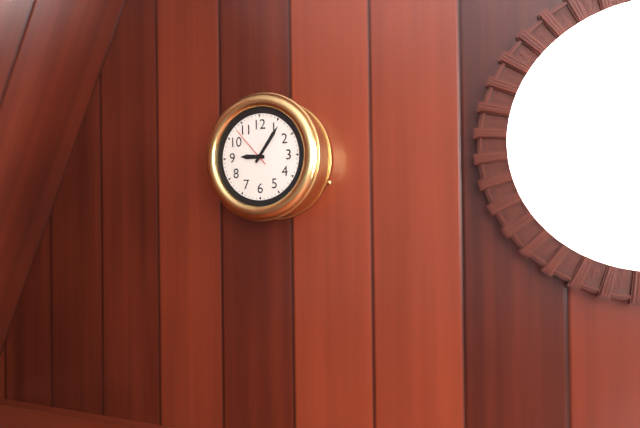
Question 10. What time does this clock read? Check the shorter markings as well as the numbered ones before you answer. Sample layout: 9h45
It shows 9h06
